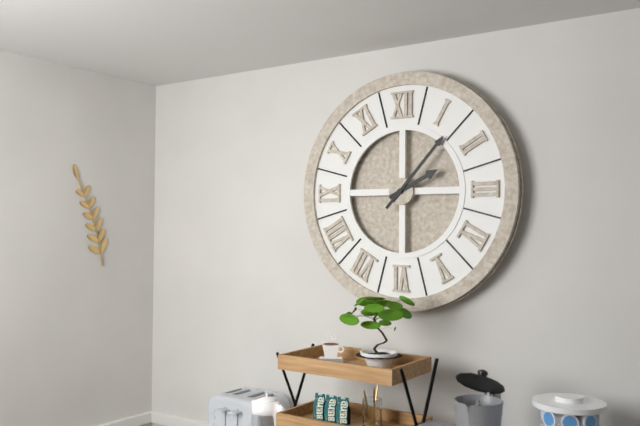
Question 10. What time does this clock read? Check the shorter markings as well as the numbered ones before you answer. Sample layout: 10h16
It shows 2h07
